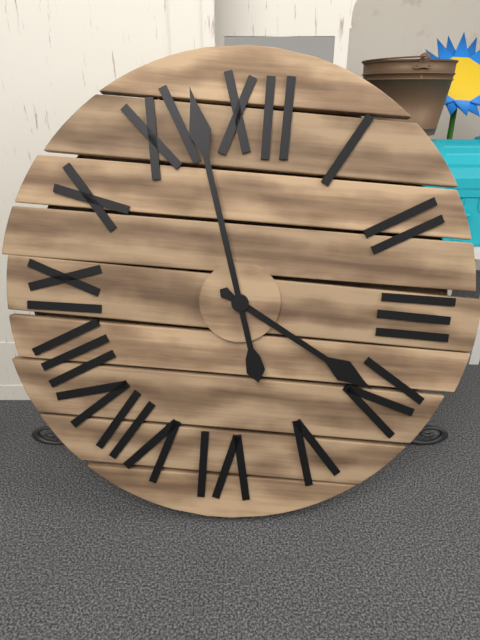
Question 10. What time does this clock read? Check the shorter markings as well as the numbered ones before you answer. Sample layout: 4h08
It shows 3h57
